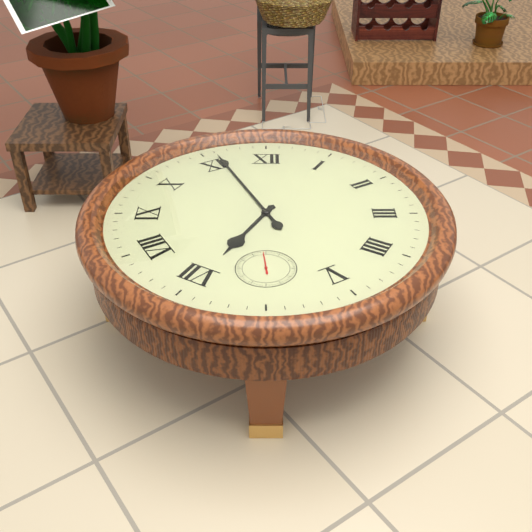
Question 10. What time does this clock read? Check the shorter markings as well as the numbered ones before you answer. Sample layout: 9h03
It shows 6h56
